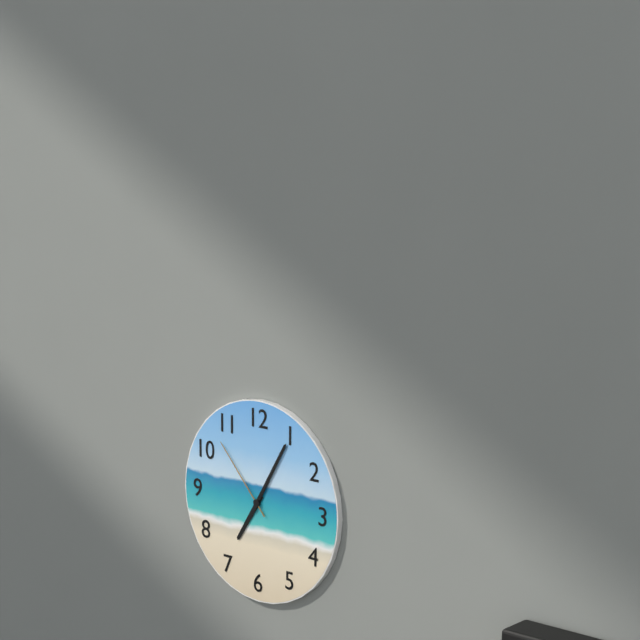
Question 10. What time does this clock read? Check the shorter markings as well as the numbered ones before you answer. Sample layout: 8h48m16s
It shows 7h05m53s
